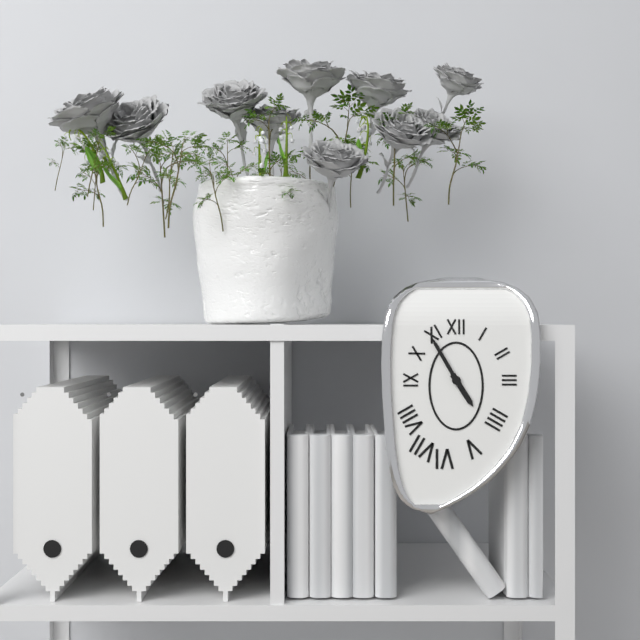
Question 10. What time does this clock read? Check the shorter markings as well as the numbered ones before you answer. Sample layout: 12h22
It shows 4h55
